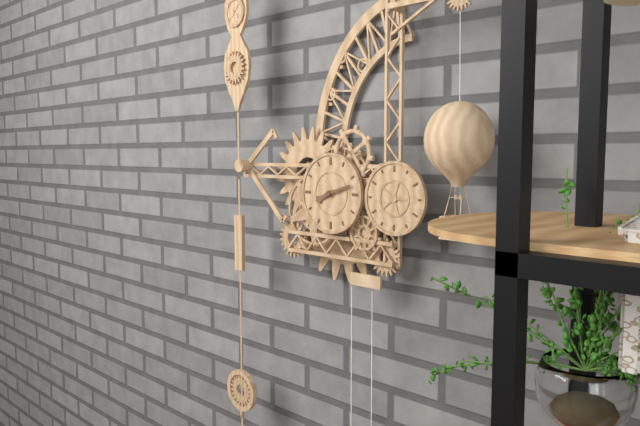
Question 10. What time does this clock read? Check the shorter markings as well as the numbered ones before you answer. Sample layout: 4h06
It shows 8h12
